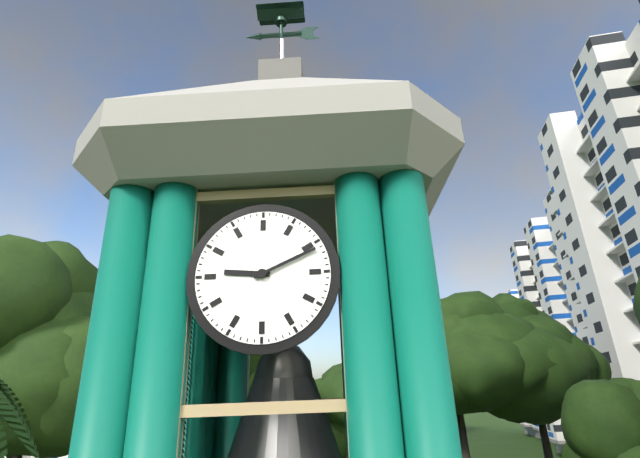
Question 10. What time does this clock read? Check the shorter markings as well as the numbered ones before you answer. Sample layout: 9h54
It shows 9h11
